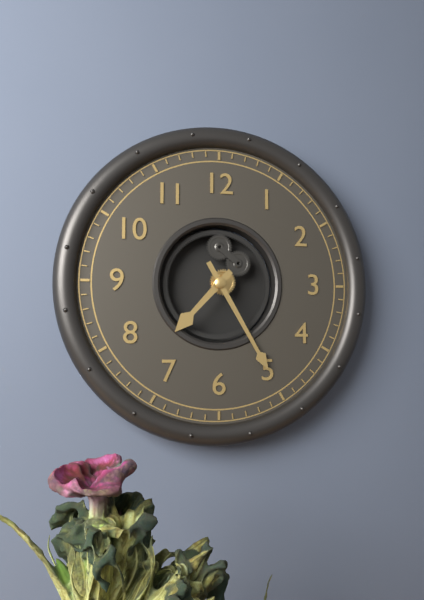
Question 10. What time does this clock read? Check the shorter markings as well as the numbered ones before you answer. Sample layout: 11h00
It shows 7h25
